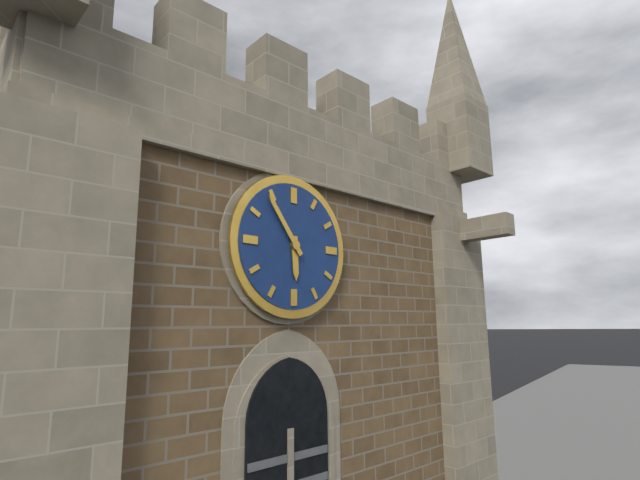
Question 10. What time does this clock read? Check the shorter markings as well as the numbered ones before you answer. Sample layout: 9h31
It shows 5h54
